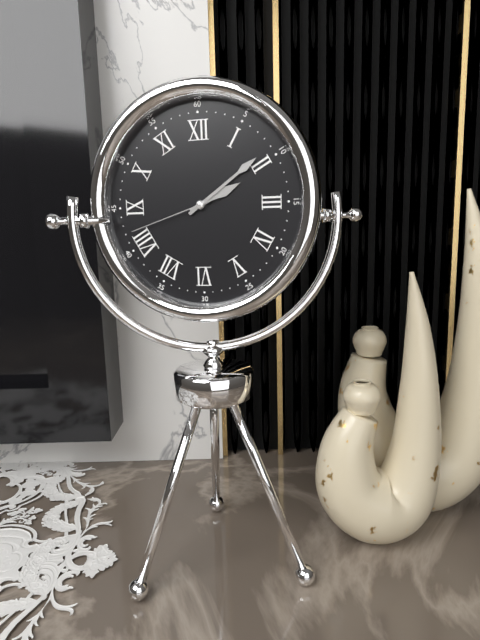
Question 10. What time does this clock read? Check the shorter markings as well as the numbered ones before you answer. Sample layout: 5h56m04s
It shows 2h09m42s
